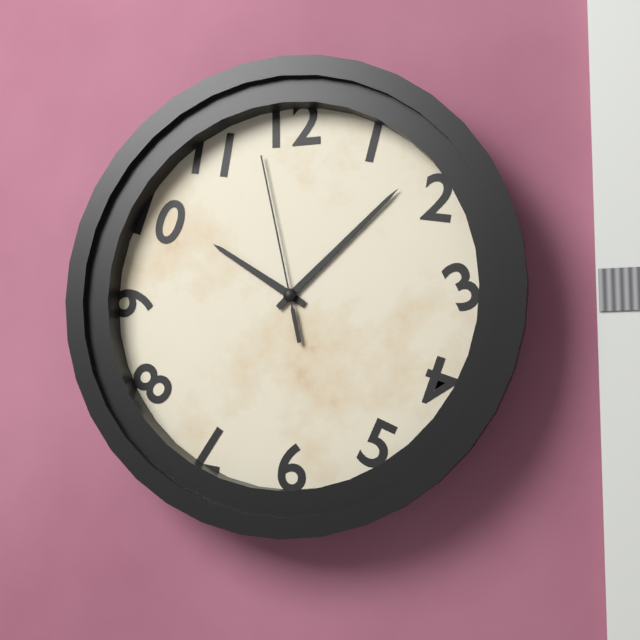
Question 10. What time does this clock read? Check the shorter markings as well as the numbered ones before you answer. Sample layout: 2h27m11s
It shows 10h08m58s
